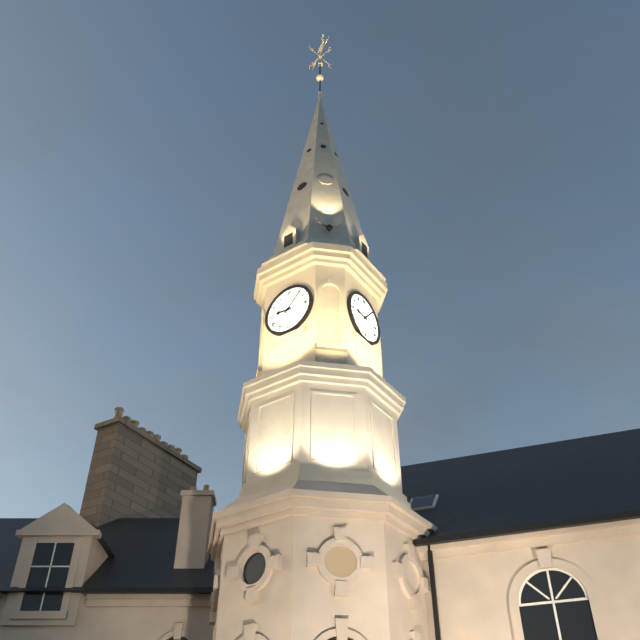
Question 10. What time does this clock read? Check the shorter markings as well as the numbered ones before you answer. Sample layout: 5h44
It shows 9h07
